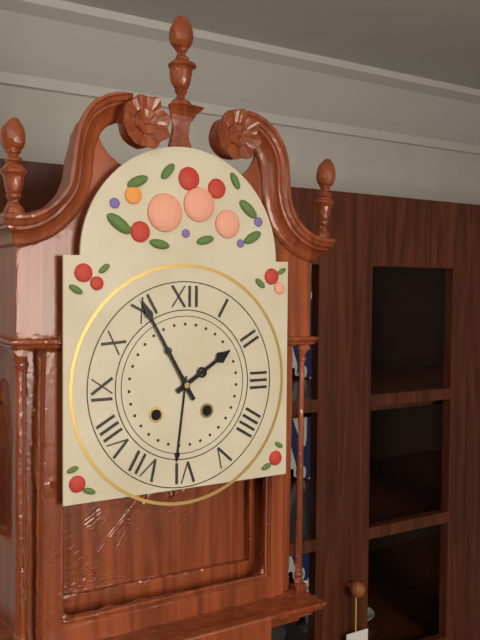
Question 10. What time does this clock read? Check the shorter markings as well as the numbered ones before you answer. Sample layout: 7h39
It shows 1h55
